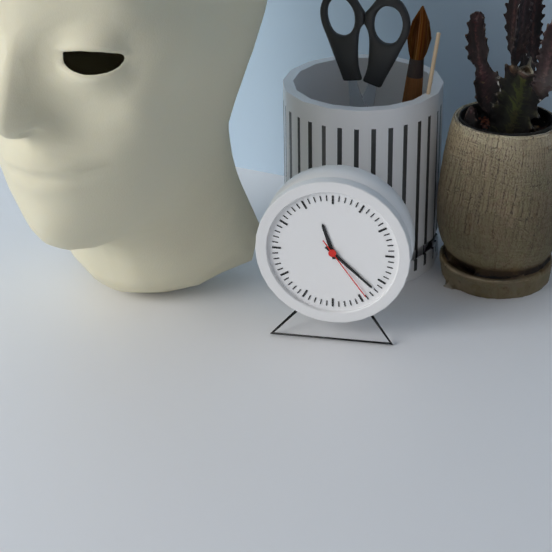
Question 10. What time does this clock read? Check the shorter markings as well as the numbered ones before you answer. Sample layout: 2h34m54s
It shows 11h22m24s
